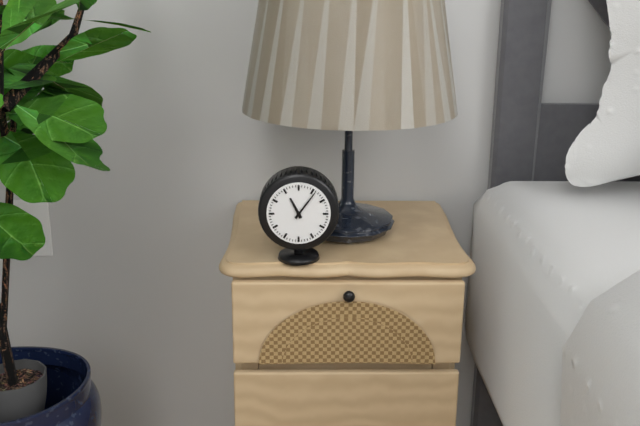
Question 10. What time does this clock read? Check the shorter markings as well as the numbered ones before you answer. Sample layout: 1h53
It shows 11h06
